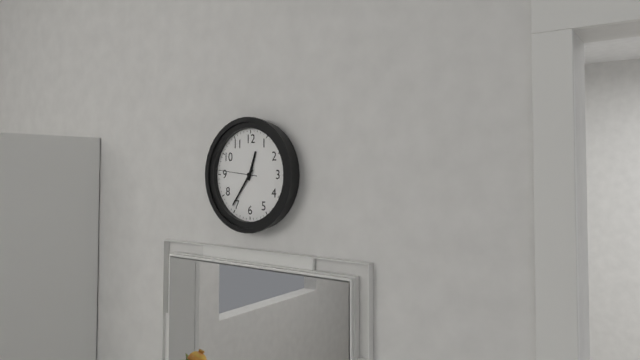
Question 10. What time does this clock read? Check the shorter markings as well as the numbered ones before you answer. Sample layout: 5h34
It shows 12h36
